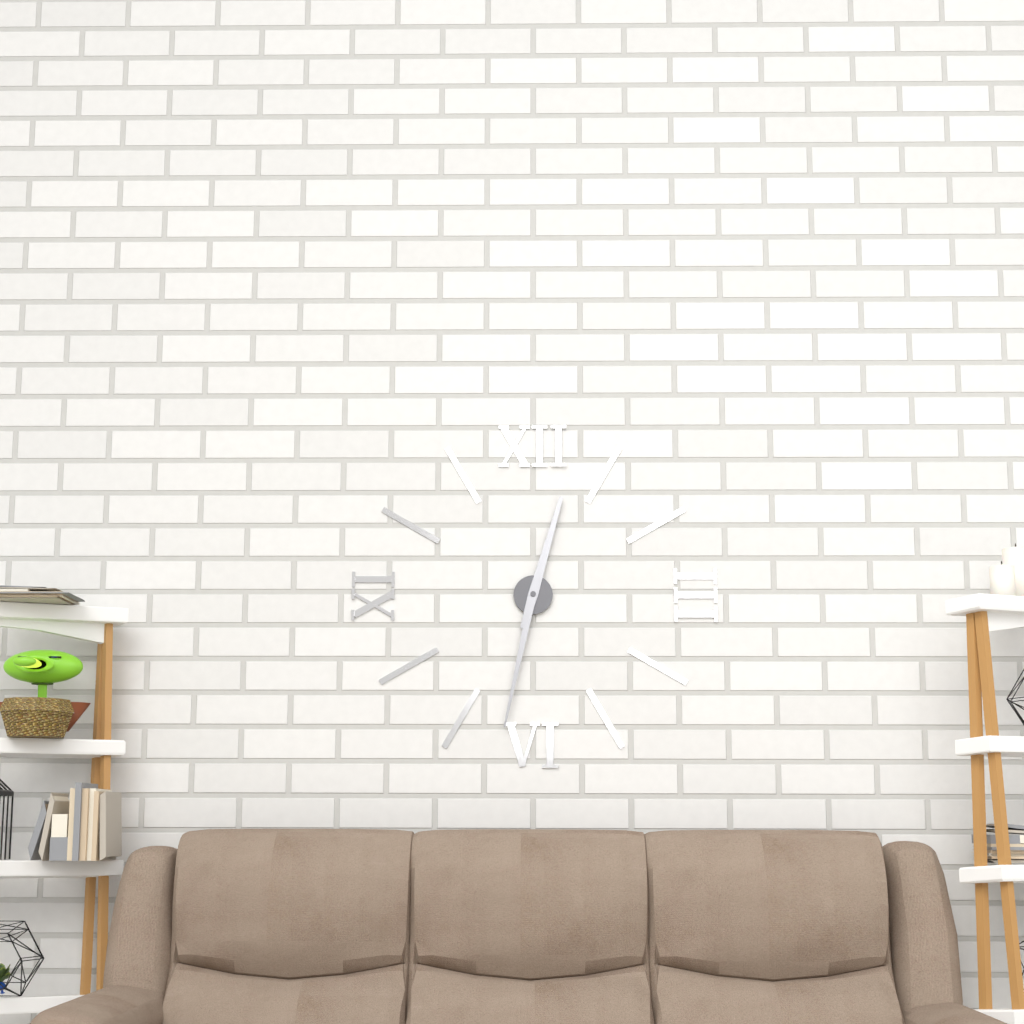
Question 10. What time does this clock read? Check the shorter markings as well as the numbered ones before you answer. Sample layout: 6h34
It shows 12h32
